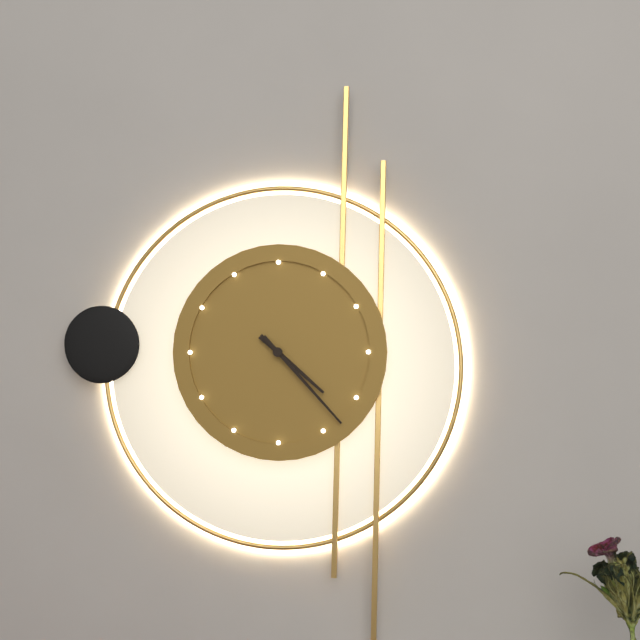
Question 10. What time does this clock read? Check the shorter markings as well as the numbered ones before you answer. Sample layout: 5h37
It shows 4h23
